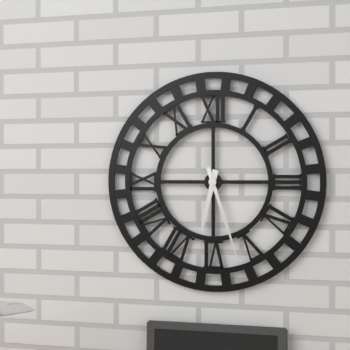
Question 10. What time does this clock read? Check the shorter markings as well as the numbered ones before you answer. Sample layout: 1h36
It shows 6h27
